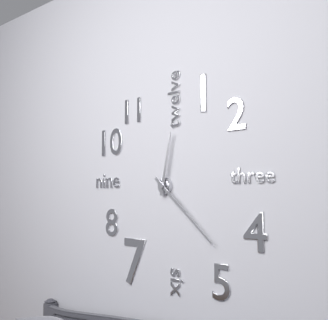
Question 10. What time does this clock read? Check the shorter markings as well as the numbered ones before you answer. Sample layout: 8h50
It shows 12h22
